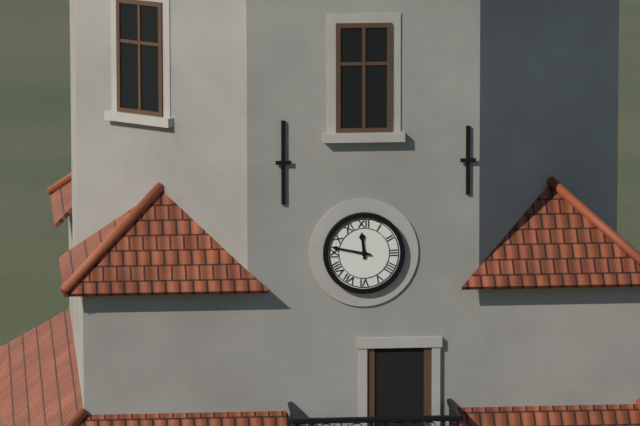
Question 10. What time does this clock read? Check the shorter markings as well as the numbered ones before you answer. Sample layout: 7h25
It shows 11h47
